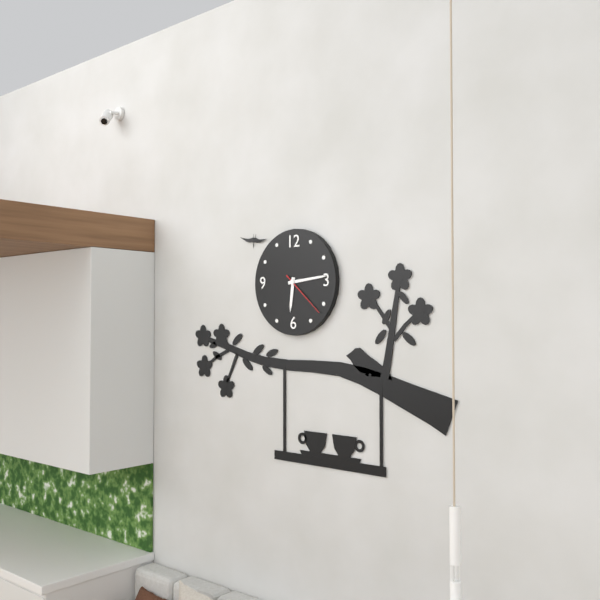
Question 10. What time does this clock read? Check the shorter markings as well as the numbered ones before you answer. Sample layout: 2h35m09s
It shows 6h14m22s
